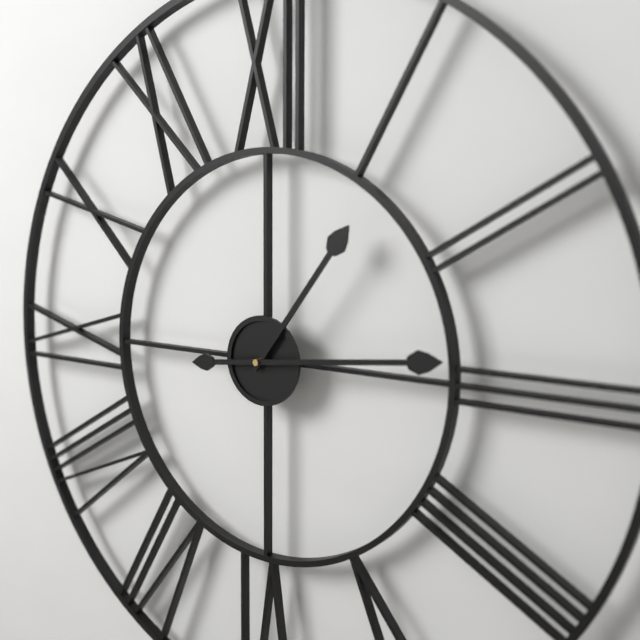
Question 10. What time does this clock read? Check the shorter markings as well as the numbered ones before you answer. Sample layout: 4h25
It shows 1h14
